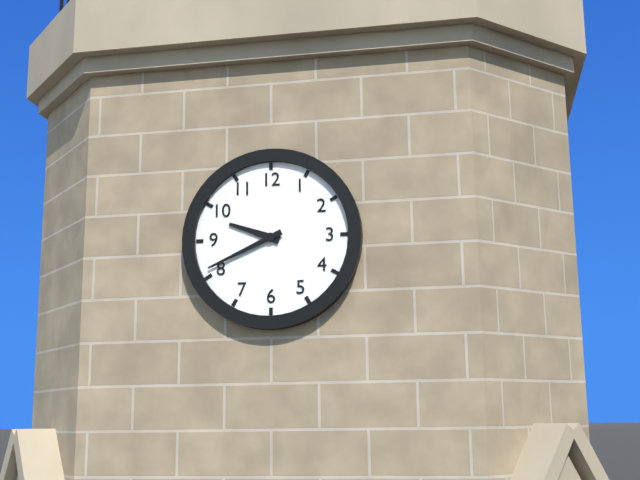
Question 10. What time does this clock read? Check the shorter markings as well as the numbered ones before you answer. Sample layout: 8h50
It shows 9h41
